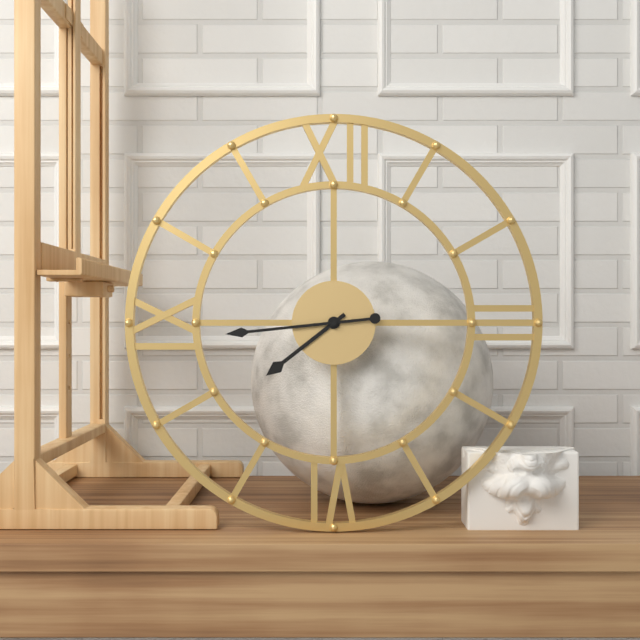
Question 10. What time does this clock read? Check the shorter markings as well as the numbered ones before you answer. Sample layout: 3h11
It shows 7h44
